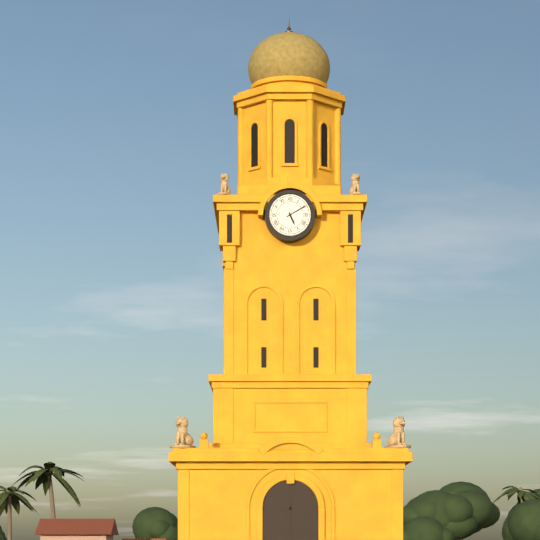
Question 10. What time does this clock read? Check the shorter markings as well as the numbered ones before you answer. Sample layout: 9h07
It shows 5h10
